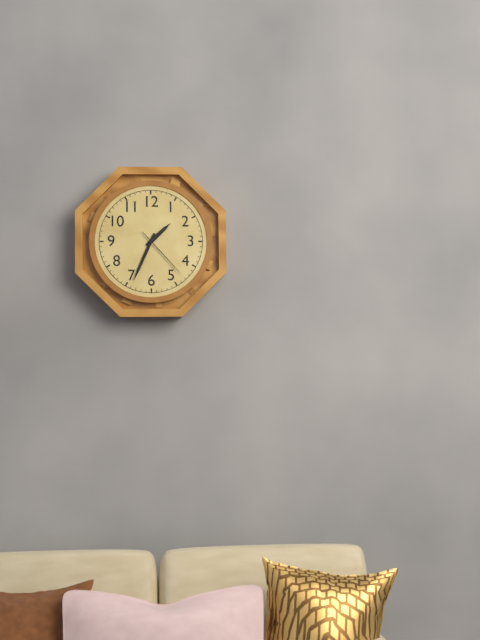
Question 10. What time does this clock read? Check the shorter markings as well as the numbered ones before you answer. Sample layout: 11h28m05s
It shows 1h34m23s
